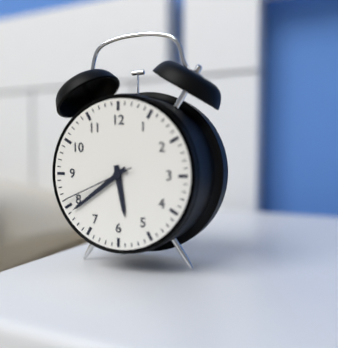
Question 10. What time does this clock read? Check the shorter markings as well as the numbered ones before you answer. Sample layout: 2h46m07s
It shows 5h39m41s
